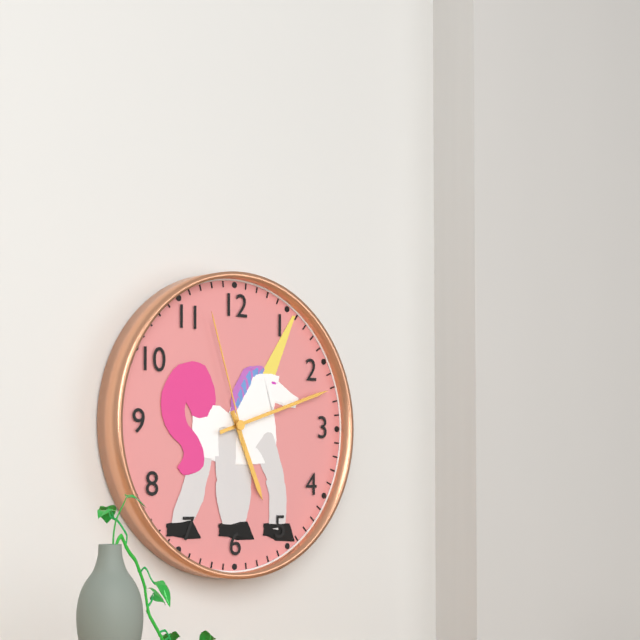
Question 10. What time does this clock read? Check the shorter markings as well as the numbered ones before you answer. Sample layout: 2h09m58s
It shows 5h12m57s
